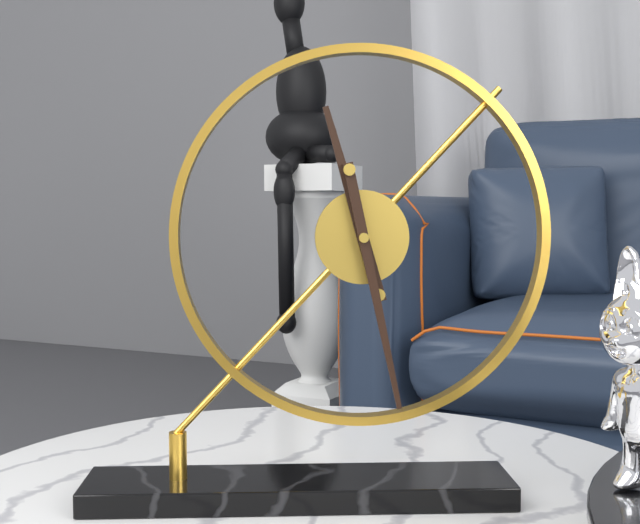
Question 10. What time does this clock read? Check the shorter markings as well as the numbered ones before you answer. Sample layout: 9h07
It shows 11h28
